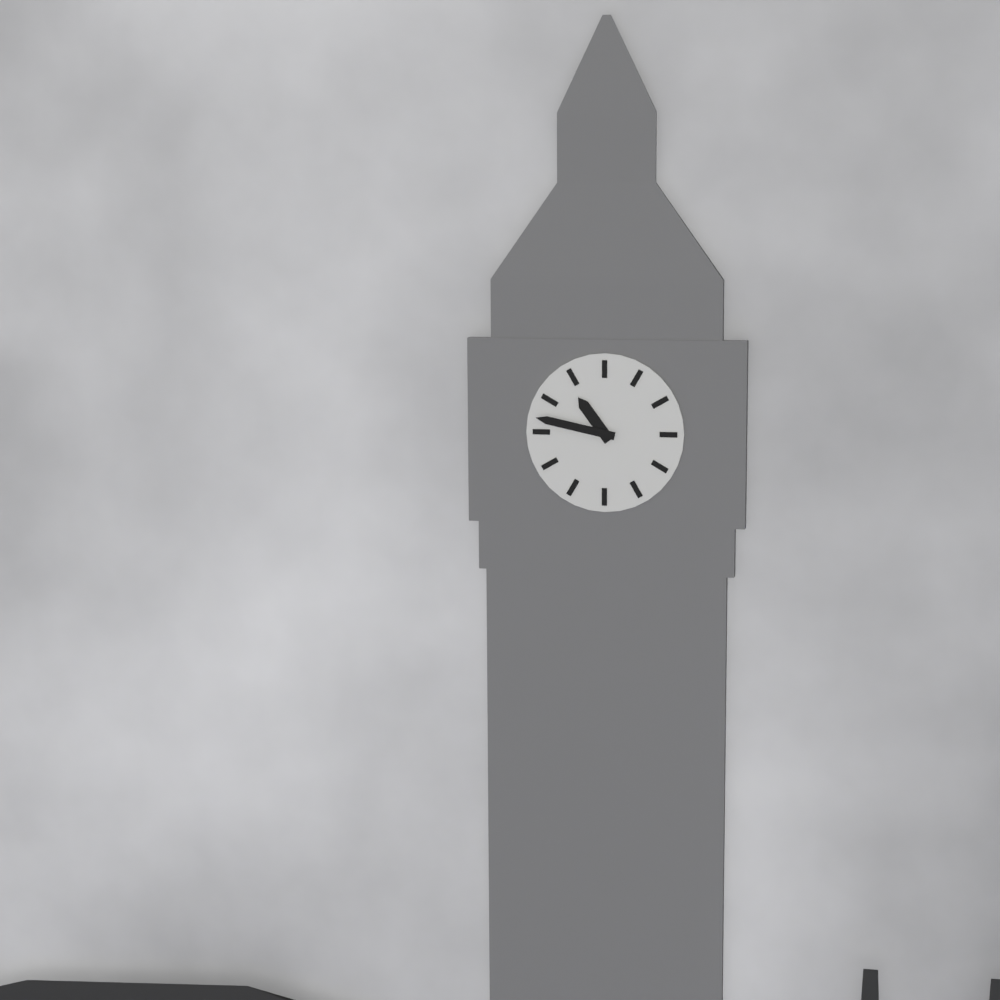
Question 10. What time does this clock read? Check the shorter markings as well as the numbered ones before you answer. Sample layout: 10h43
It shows 10h47
